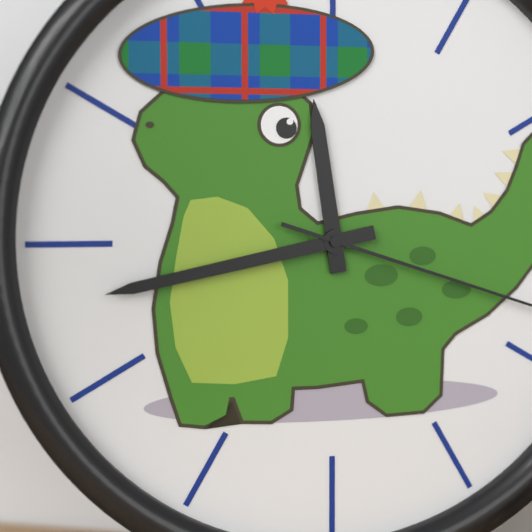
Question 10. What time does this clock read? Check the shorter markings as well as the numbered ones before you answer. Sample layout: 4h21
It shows 11h43
